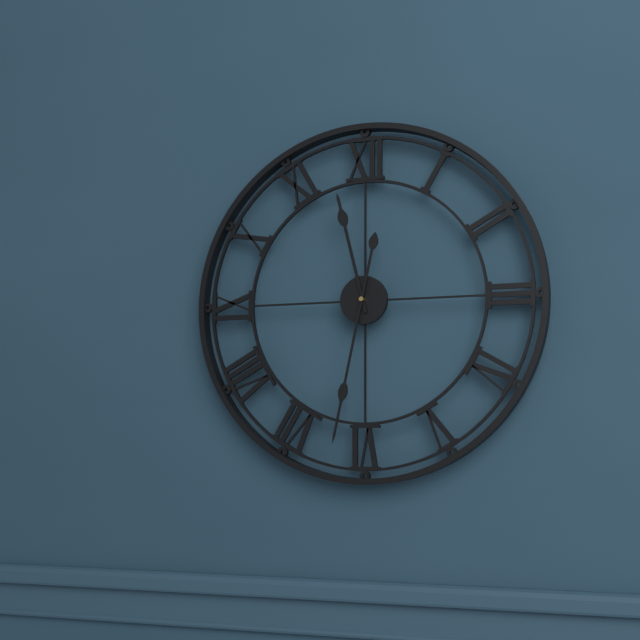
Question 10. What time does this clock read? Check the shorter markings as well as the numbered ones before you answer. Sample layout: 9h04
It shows 11h32
